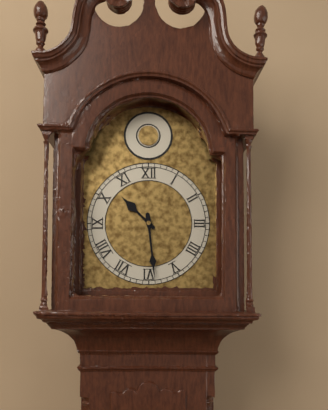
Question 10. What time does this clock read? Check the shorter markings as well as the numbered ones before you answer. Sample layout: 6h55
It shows 10h29
